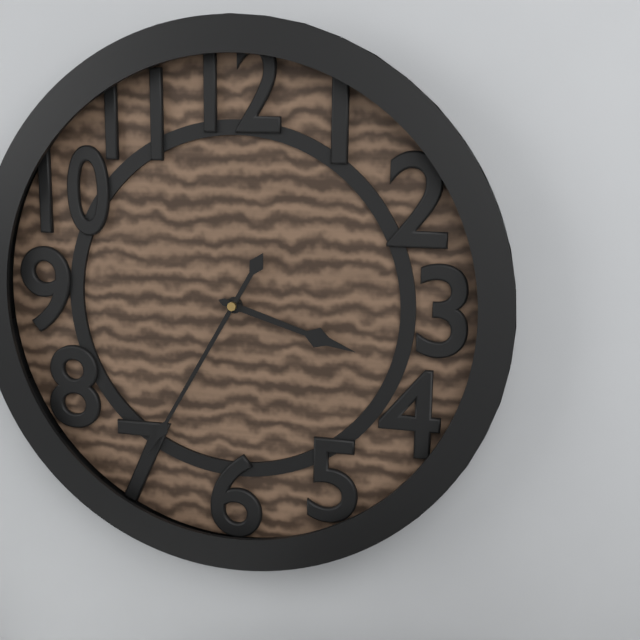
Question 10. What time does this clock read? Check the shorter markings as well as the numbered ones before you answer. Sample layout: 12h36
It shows 3h35
